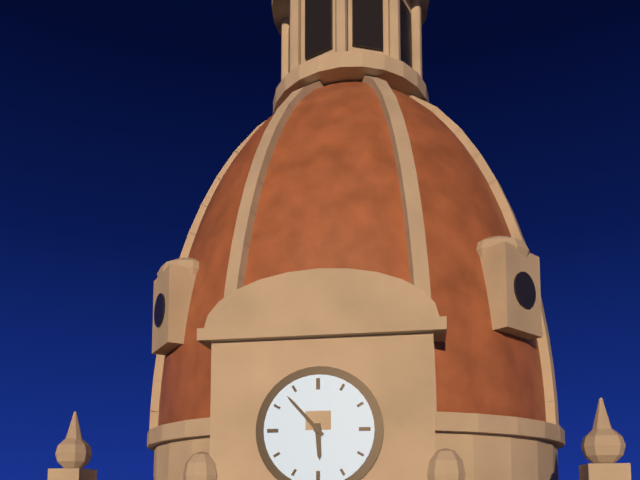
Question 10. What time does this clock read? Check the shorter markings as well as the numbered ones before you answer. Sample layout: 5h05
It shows 5h53
